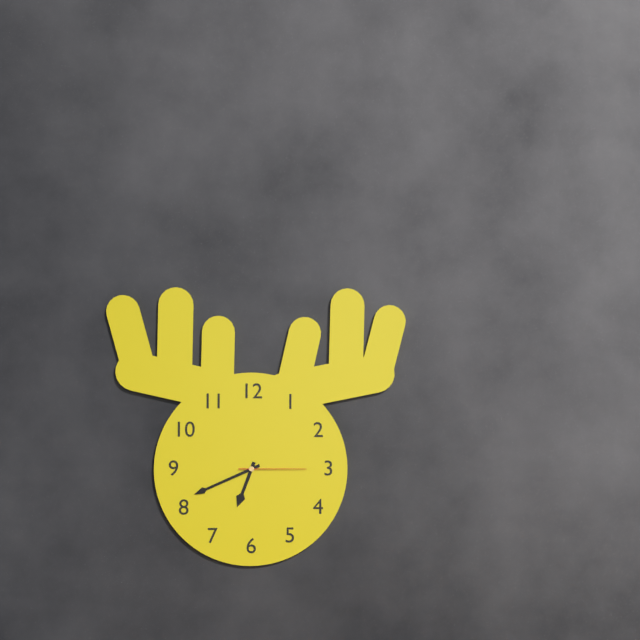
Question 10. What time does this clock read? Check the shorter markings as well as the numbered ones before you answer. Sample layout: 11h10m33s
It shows 6h41m15s
